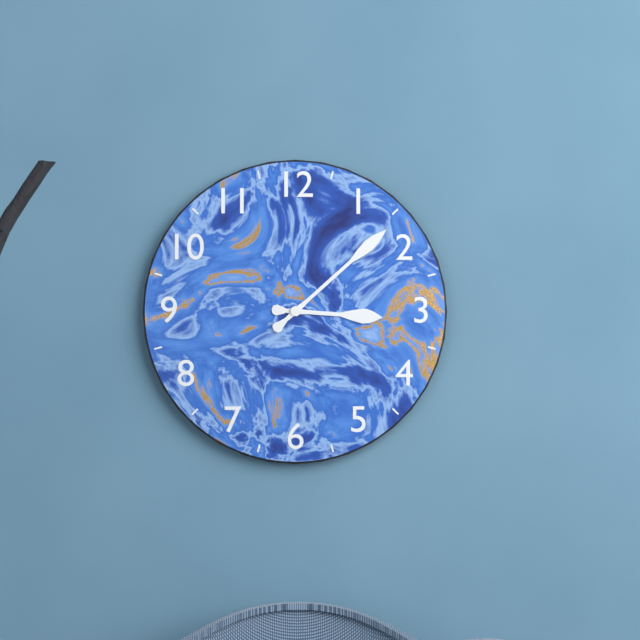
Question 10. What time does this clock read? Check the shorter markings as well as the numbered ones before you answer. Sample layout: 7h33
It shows 3h08
